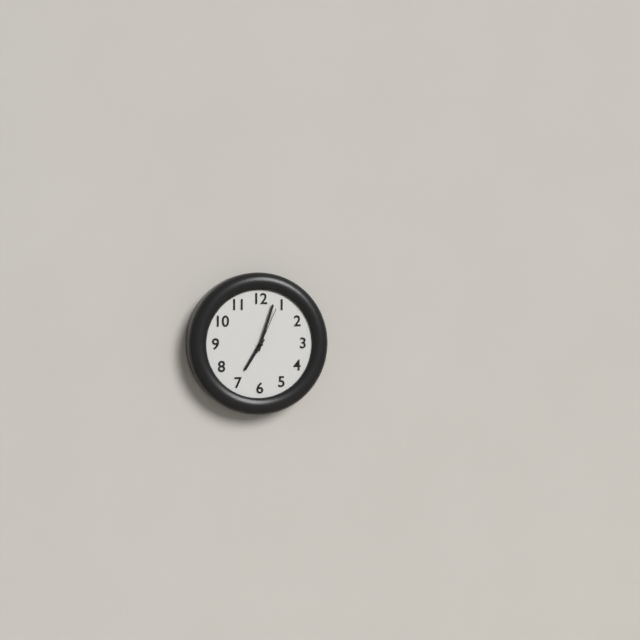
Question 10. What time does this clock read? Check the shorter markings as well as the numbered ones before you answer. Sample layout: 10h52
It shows 7h03
